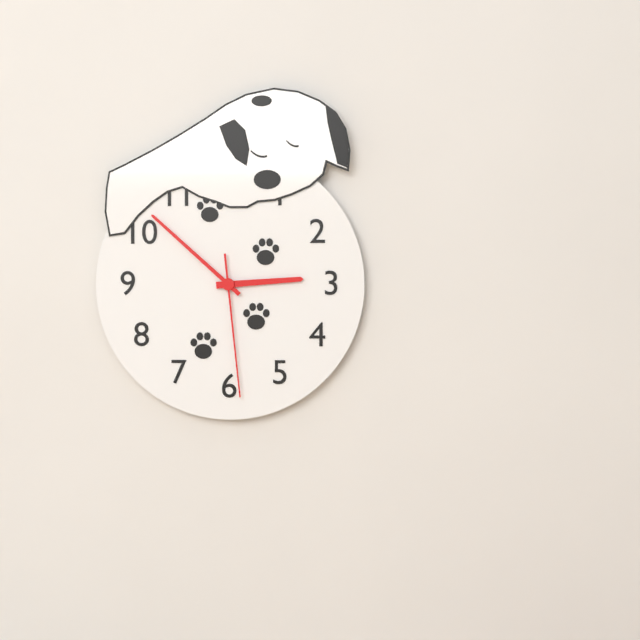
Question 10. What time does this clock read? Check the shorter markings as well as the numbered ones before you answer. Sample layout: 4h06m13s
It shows 2h52m29s
